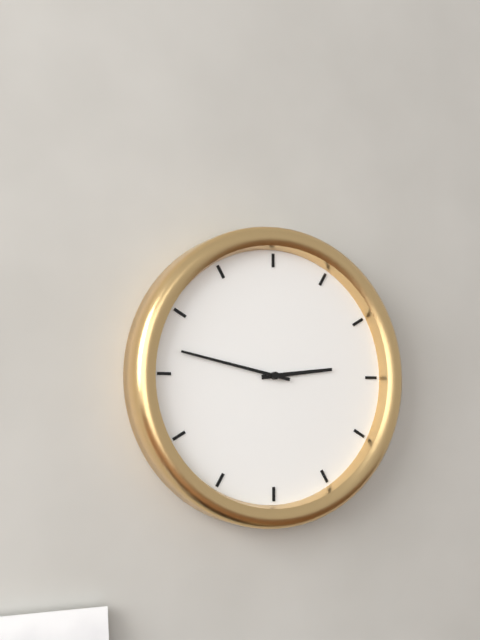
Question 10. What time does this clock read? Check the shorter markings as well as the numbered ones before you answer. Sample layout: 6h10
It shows 2h47
